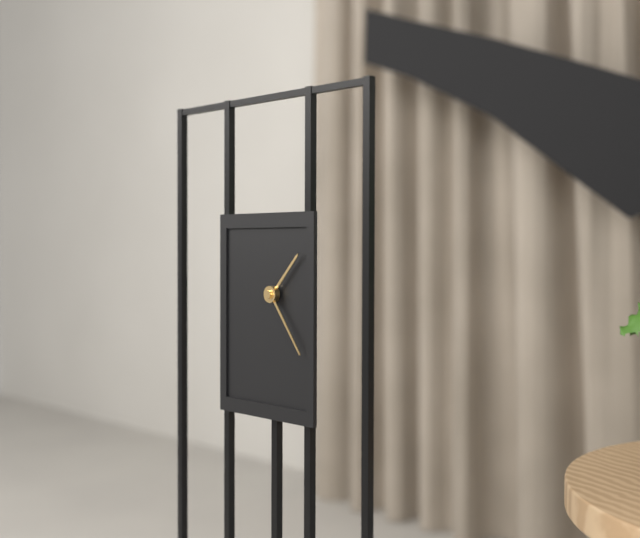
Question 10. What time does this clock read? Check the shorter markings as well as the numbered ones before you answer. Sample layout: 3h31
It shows 1h24
